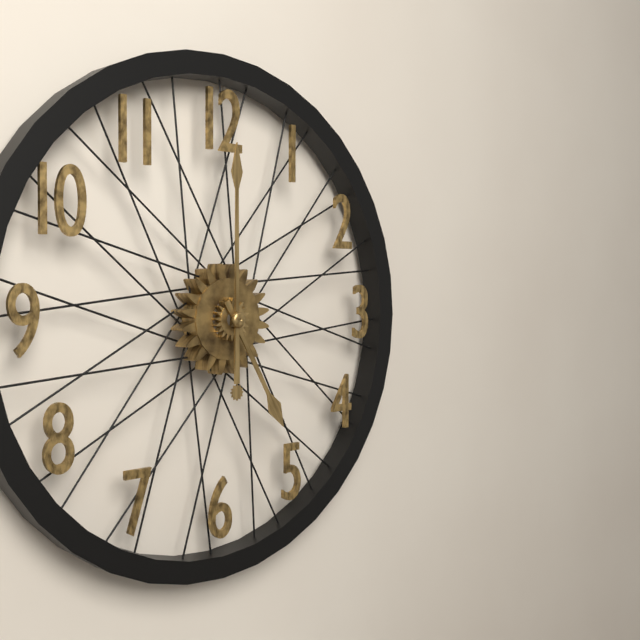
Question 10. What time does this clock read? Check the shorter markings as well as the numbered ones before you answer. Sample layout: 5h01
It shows 5h00
